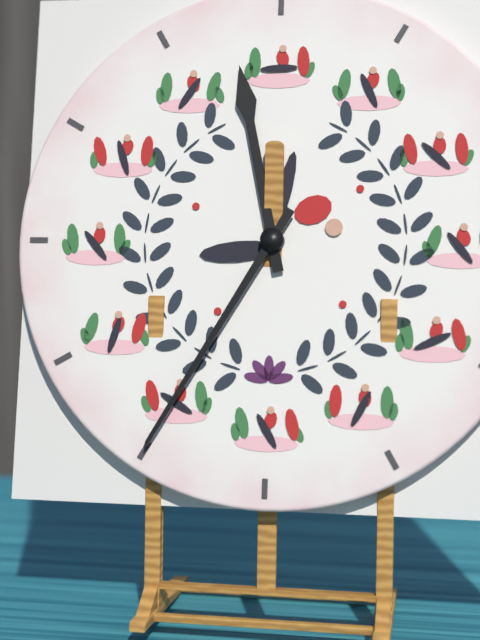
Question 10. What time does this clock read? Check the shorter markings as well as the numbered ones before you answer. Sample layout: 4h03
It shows 11h35
